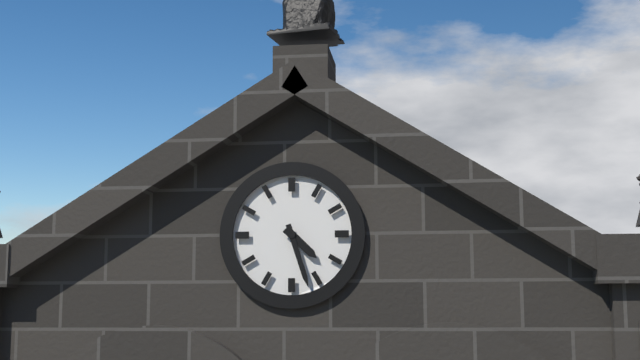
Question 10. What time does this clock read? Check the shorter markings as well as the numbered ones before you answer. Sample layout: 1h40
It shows 4h27
